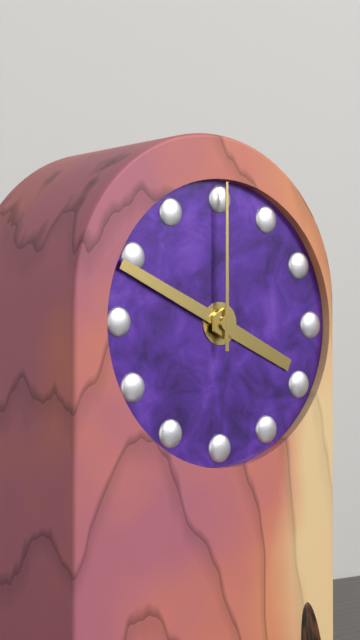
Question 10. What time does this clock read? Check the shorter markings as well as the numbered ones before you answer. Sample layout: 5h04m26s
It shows 3h49m00s
